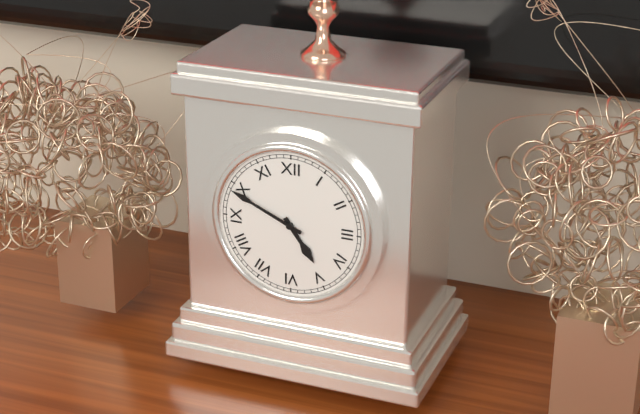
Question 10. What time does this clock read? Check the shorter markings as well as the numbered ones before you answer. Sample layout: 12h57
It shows 4h49
